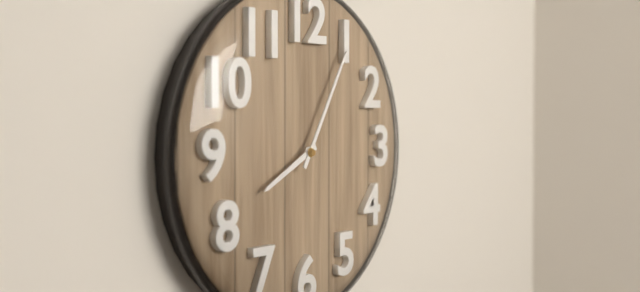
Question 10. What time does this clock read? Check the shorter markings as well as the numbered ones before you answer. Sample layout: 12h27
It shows 8h05
